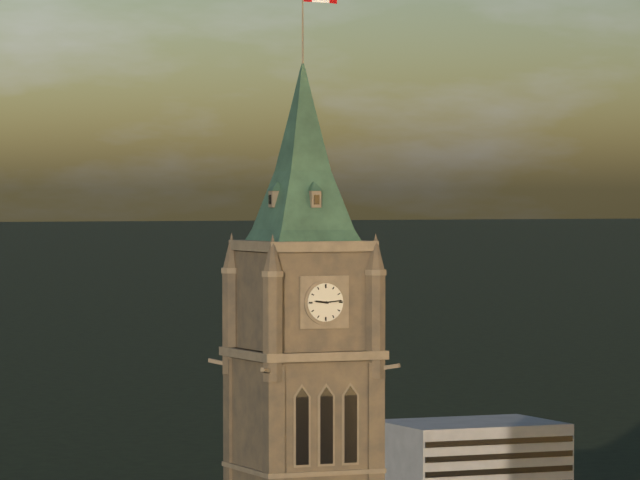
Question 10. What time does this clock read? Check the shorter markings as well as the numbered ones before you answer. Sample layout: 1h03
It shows 9h14
